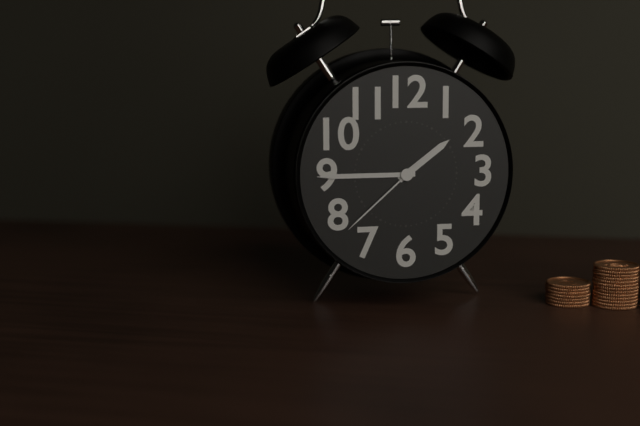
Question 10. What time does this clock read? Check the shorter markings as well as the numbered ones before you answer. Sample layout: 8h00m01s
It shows 1h45m38s
